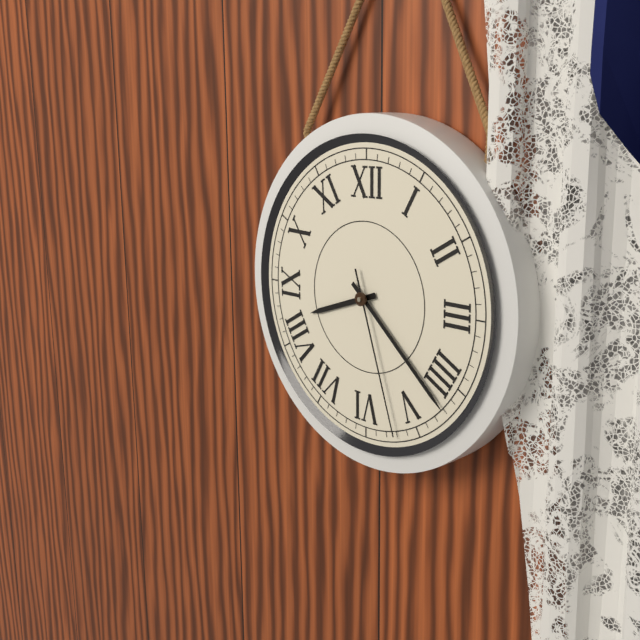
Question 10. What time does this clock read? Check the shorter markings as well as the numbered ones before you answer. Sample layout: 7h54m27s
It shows 8h22m27s
